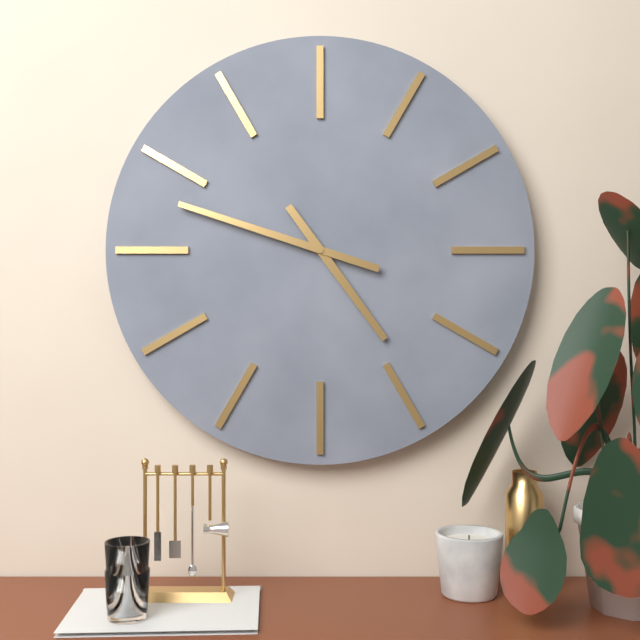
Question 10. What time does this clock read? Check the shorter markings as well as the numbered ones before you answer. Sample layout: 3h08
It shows 4h48
